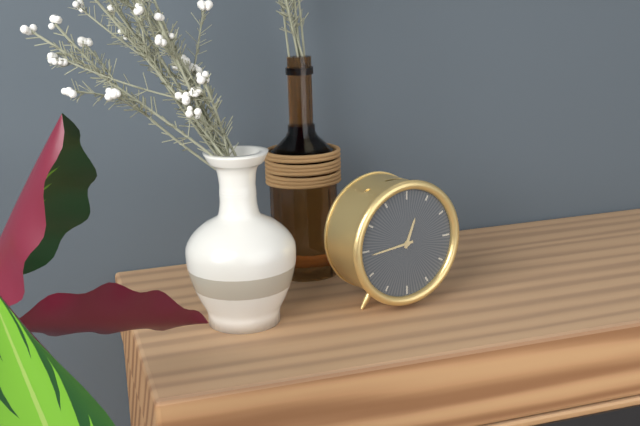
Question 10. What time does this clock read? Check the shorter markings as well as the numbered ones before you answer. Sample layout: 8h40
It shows 12h44
